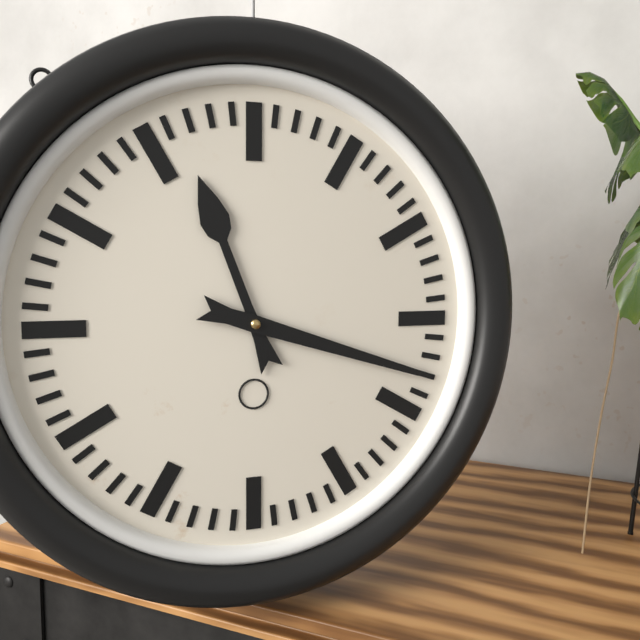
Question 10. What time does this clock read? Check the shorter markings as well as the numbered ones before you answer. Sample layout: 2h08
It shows 11h18
